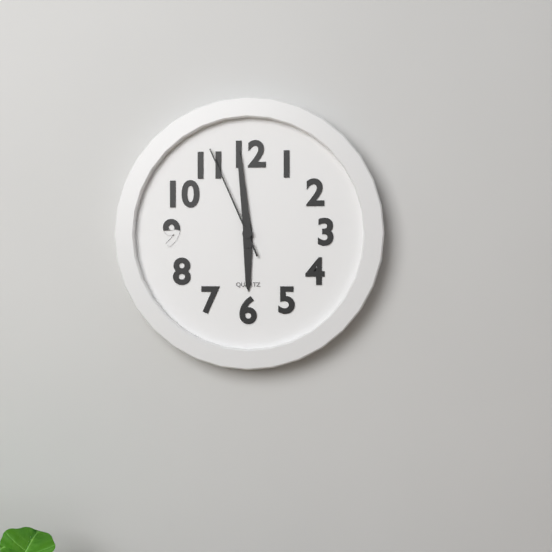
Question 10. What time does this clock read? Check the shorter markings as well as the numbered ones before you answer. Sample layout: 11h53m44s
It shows 5h59m56s
